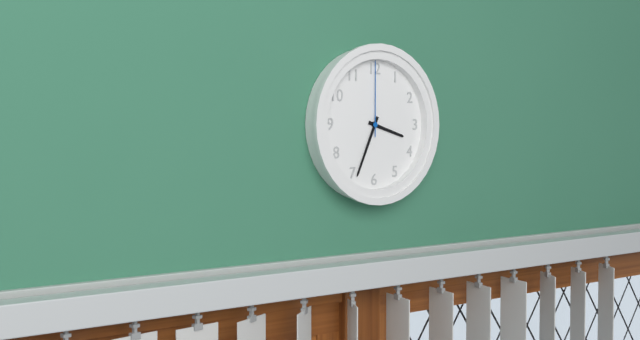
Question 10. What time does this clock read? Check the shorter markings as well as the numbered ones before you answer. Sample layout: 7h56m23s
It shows 3h34m00s
